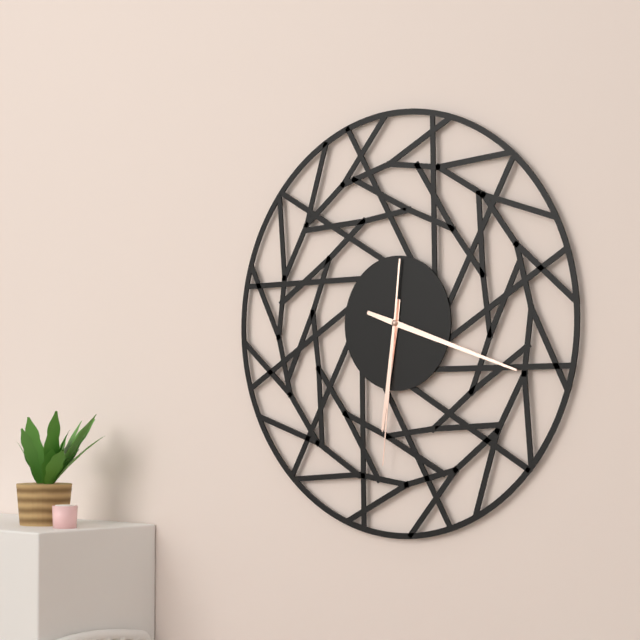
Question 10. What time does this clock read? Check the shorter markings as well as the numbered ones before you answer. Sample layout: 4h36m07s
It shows 6h18m31s
